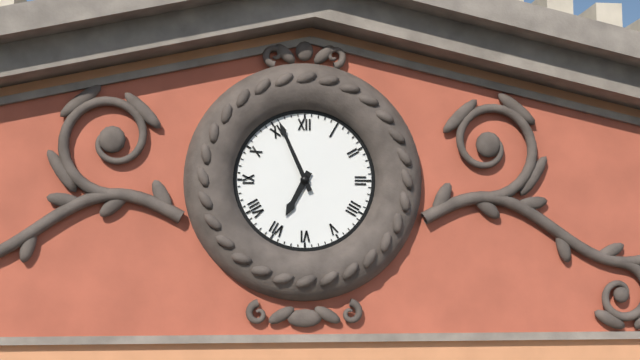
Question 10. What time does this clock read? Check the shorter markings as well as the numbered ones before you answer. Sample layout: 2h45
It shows 6h56
